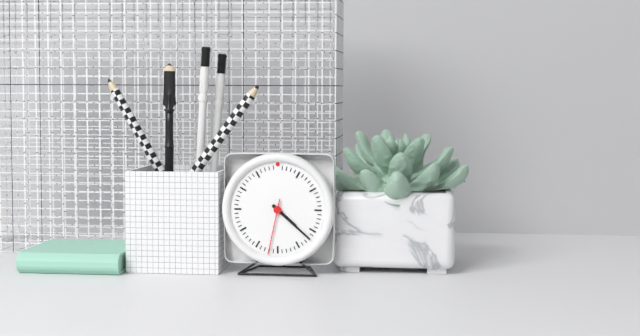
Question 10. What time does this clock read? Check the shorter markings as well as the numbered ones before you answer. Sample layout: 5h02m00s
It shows 4h22m32s
